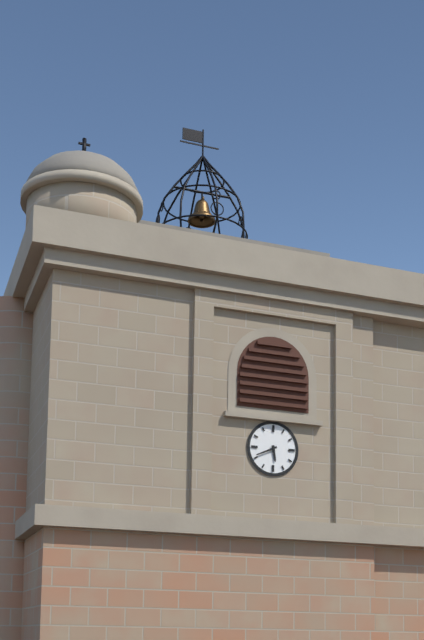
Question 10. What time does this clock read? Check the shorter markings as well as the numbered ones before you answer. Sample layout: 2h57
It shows 5h41
